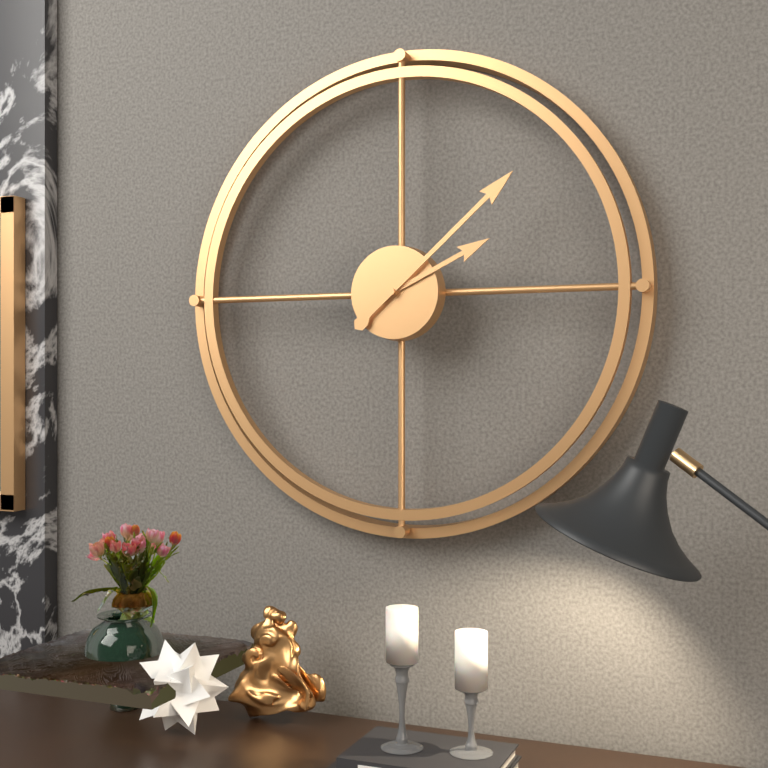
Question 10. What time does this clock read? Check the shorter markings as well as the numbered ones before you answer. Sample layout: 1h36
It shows 2h08
